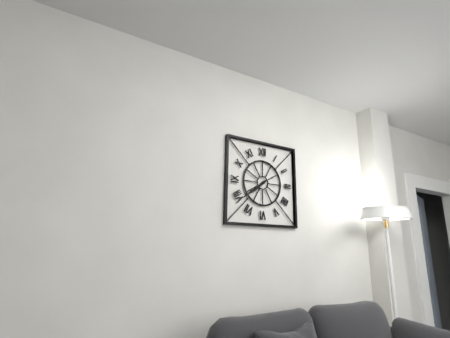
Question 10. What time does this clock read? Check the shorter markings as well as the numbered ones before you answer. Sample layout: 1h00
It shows 7h39
